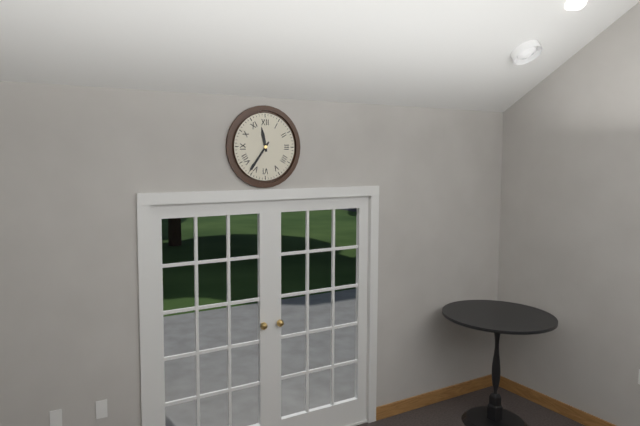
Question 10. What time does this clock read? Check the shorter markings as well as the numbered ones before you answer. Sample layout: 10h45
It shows 11h36
